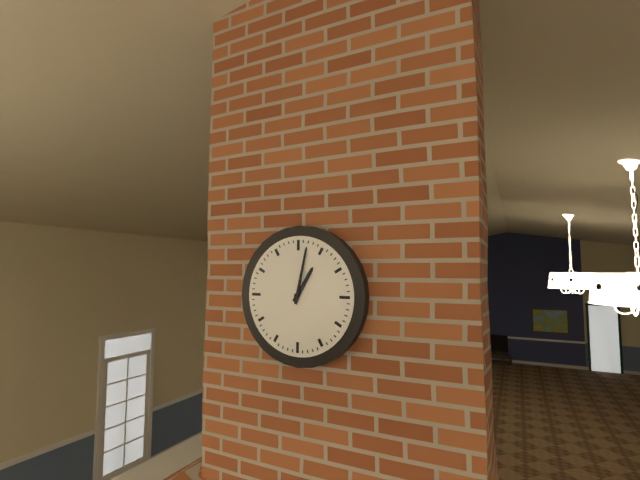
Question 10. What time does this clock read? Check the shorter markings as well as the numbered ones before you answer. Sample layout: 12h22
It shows 1h02
